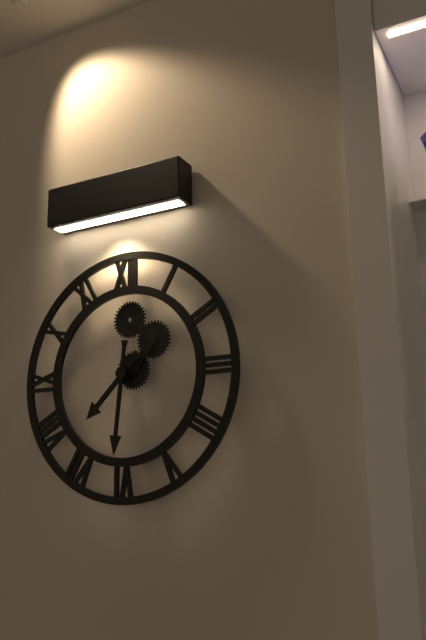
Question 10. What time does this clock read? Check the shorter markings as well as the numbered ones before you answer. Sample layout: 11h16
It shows 7h31
